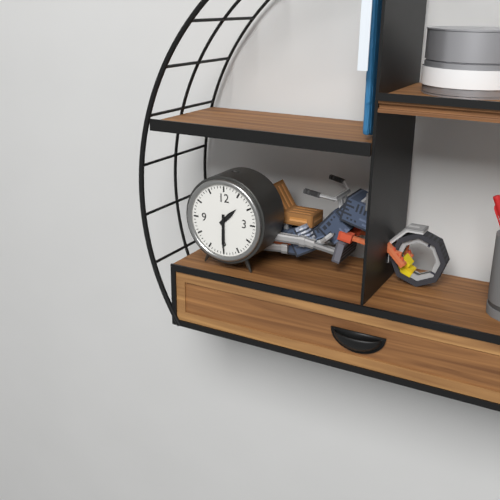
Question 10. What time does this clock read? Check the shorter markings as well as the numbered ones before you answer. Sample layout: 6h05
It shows 1h30
